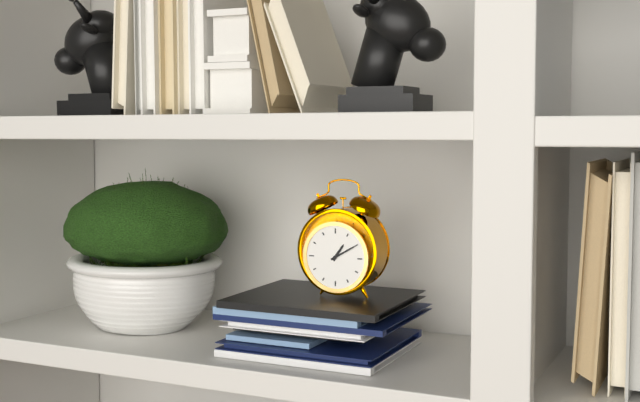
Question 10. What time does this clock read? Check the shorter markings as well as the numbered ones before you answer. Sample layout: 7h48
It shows 1h10
